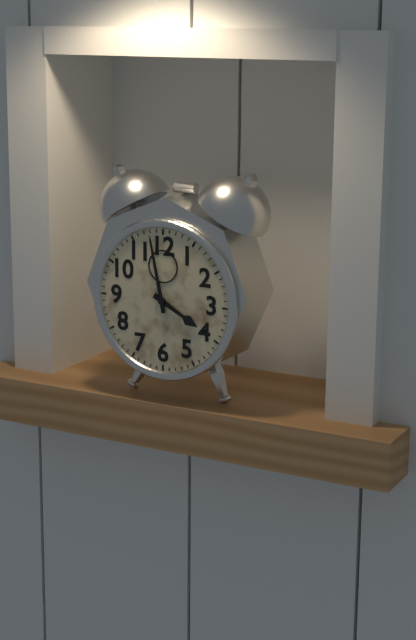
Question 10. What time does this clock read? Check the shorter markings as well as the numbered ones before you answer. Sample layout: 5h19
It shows 3h58
